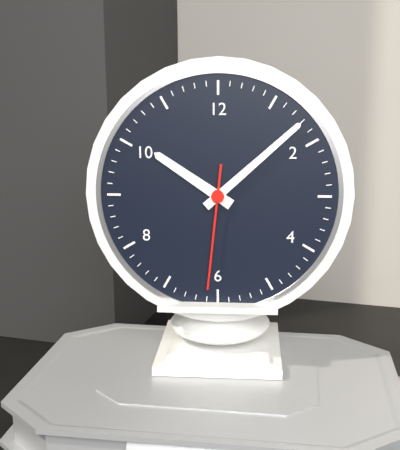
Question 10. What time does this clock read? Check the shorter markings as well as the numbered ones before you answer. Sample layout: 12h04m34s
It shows 10h08m31s
